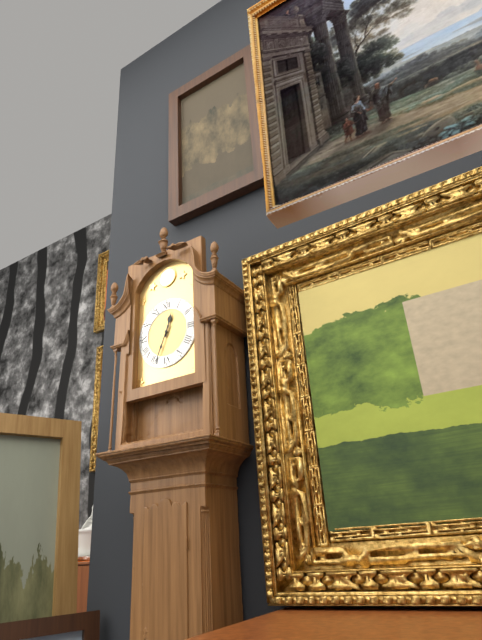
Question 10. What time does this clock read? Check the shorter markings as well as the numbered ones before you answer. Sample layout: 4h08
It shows 12h34
